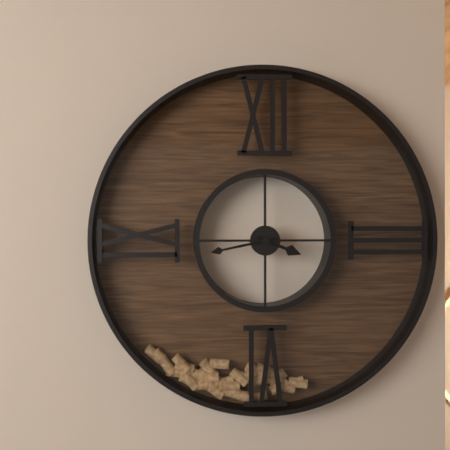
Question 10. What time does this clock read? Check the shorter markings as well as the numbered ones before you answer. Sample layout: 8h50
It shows 3h43
